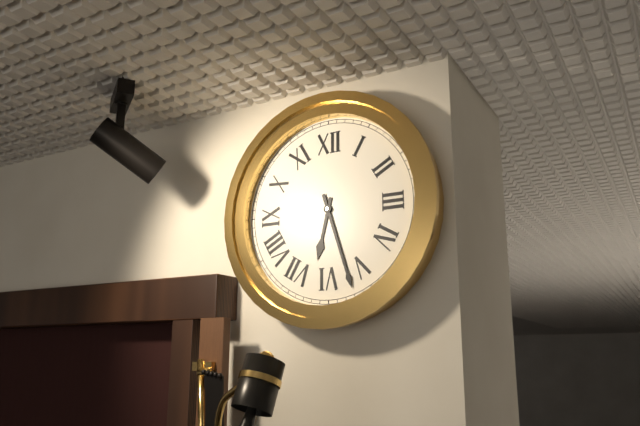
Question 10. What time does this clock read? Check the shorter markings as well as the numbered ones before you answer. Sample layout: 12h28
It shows 6h27
